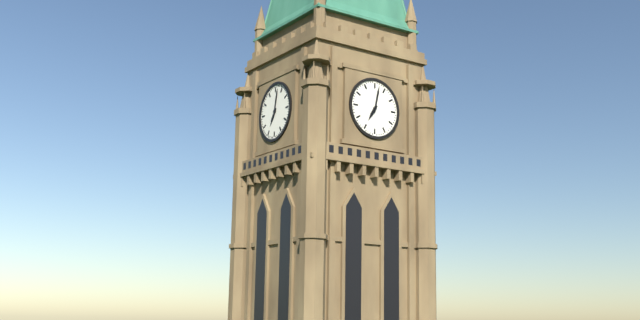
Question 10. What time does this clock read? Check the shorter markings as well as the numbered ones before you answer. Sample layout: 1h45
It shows 7h02
